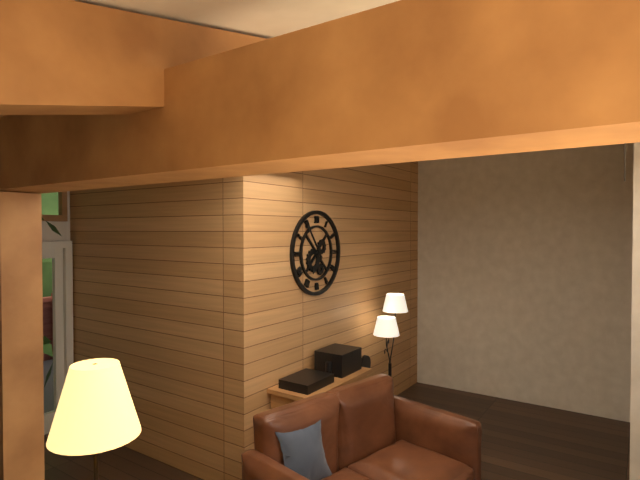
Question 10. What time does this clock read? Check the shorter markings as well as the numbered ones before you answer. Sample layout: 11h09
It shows 6h54
